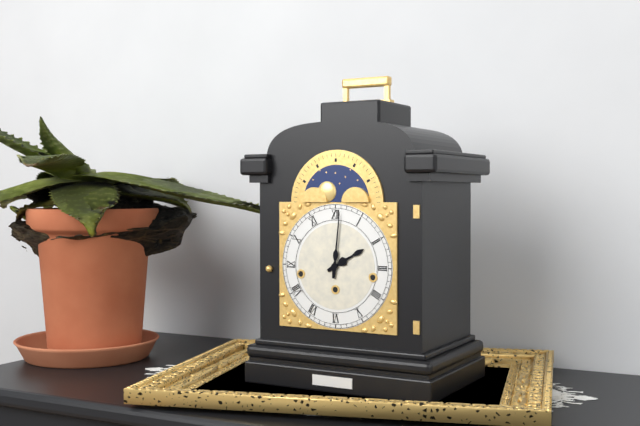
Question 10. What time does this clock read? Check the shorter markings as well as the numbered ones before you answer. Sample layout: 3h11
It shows 2h01
